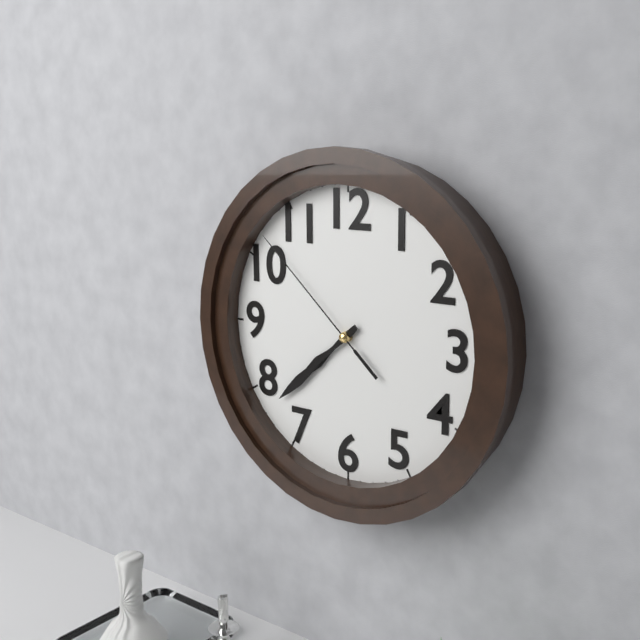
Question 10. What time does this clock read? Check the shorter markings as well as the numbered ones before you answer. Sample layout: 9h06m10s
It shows 7h38m52s
